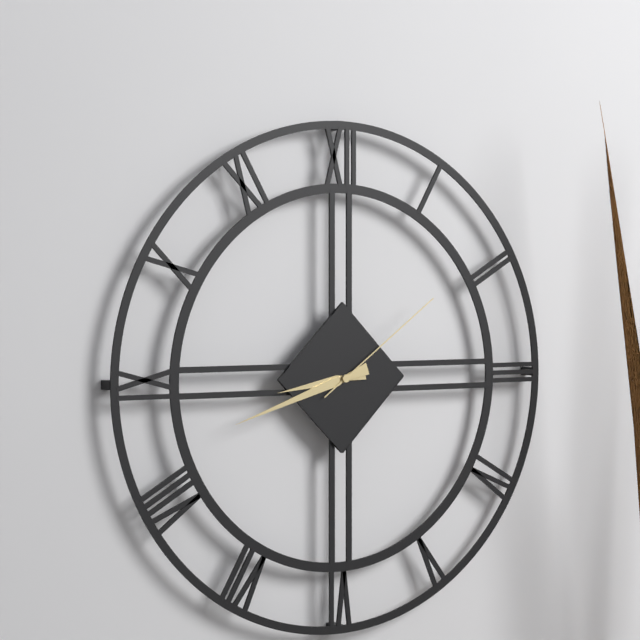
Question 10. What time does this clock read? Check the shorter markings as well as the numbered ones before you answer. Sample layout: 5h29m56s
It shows 8h42m09s
